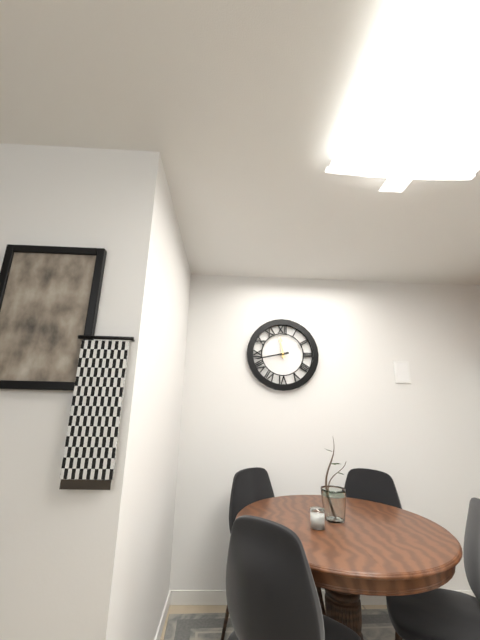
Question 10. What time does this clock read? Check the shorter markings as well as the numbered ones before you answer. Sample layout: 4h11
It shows 11h43
